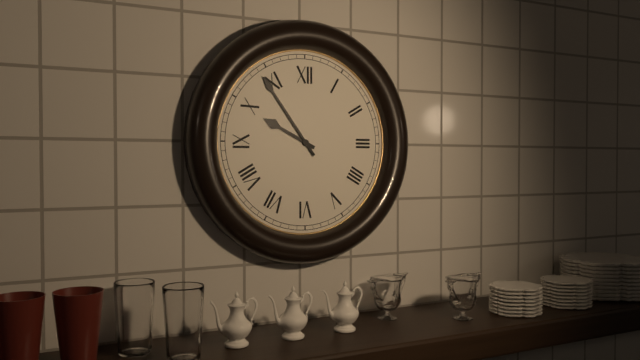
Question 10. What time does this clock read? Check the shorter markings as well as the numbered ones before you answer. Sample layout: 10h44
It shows 9h54
